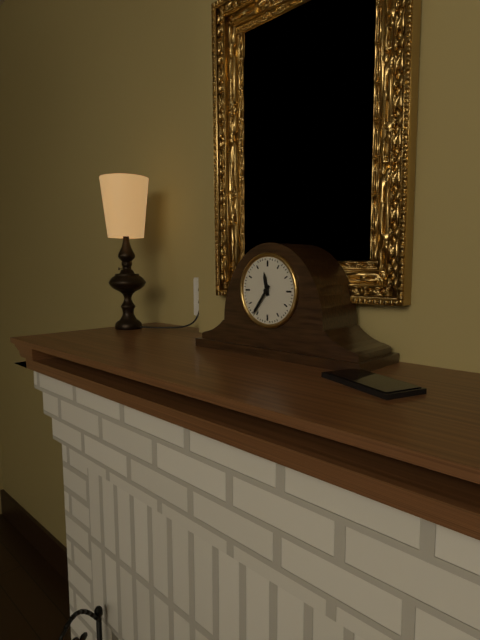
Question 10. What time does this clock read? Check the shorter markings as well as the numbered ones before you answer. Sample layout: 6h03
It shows 11h36
